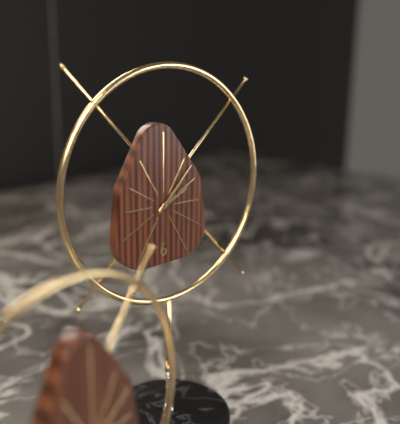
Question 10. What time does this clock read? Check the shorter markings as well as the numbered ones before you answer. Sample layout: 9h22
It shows 2h07
